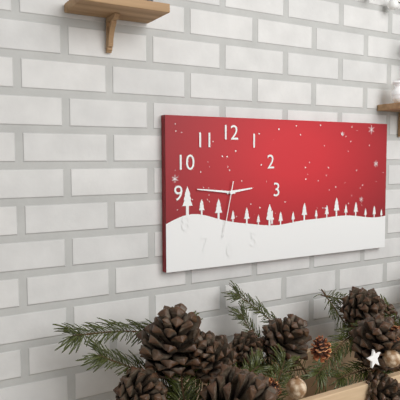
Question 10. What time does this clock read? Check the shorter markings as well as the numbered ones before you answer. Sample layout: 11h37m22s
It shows 2h46m32s
